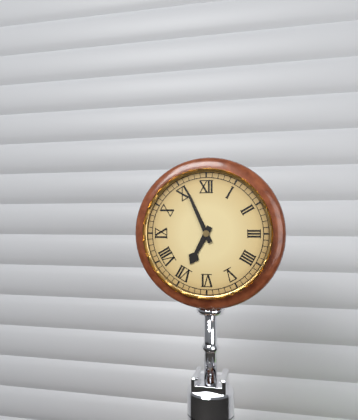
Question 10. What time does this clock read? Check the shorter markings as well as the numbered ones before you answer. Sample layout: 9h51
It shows 6h56
